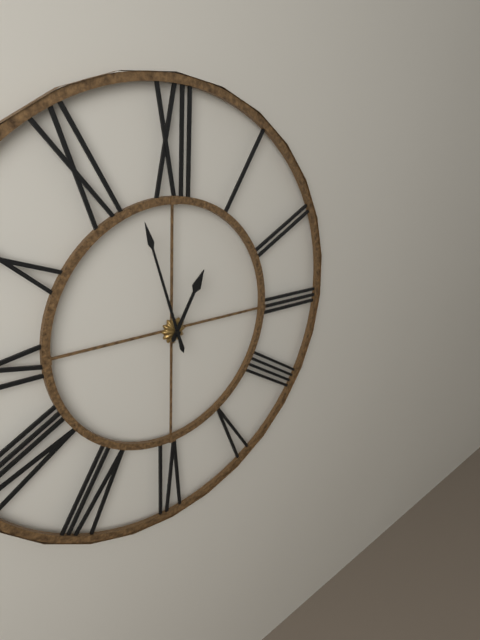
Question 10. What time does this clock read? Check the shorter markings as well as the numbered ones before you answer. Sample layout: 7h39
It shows 12h57
